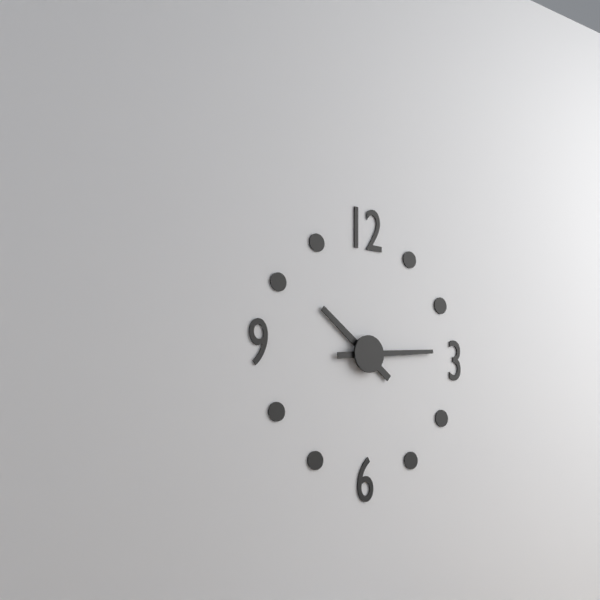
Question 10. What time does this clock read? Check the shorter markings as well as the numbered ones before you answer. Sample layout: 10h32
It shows 10h14
